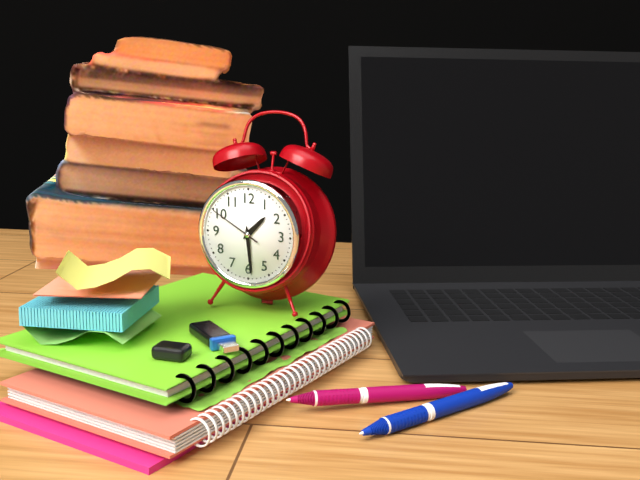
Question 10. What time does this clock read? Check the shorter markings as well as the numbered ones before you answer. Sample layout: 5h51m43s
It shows 1h29m50s
